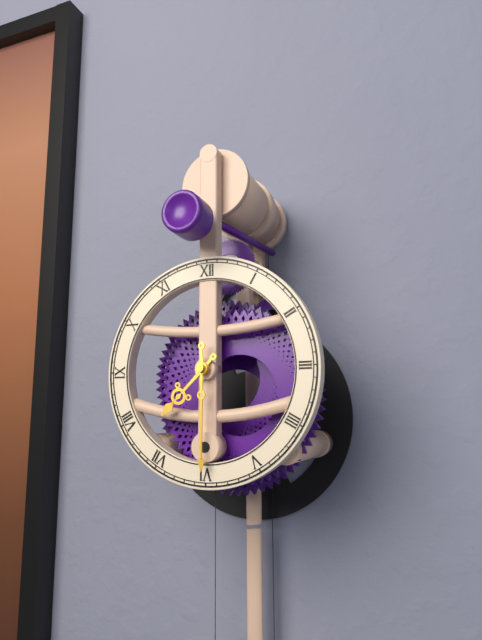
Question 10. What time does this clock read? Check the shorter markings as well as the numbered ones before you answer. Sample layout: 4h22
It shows 7h30
